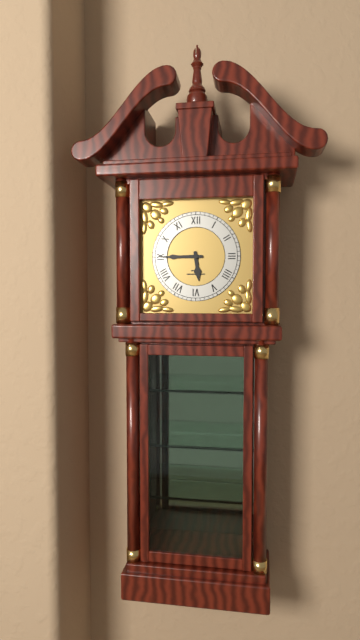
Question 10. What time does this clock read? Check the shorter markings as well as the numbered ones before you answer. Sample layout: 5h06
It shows 5h45
